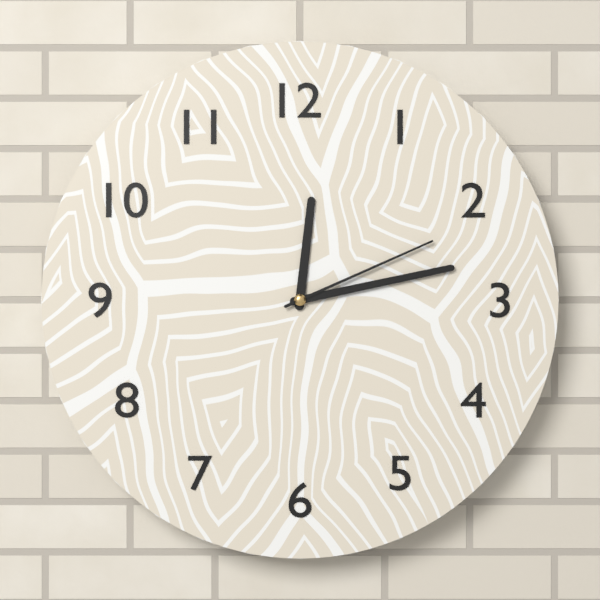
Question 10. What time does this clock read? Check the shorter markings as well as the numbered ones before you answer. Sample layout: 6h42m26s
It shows 12h13m11s
